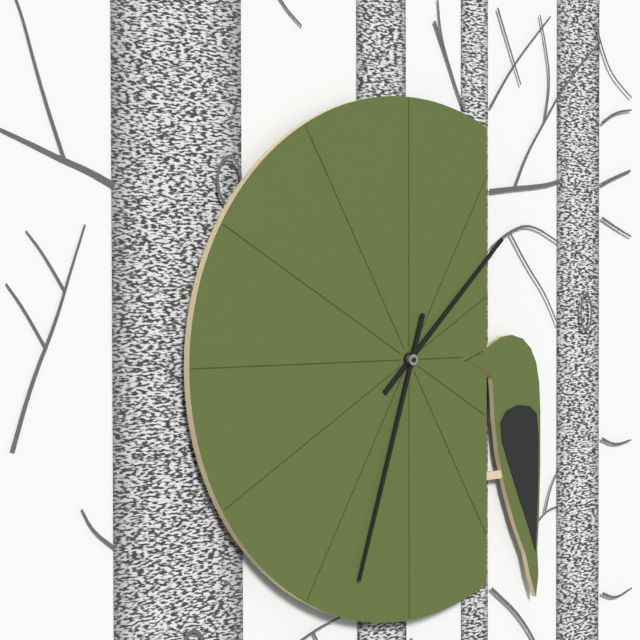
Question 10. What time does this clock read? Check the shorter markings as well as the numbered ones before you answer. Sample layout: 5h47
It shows 1h33
